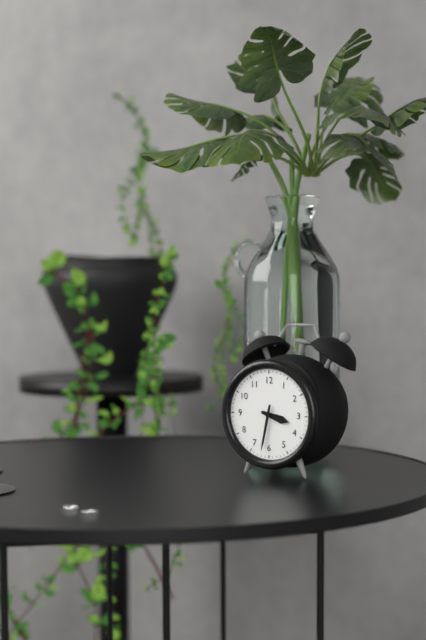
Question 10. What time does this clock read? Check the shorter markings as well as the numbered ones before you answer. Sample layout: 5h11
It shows 3h32
